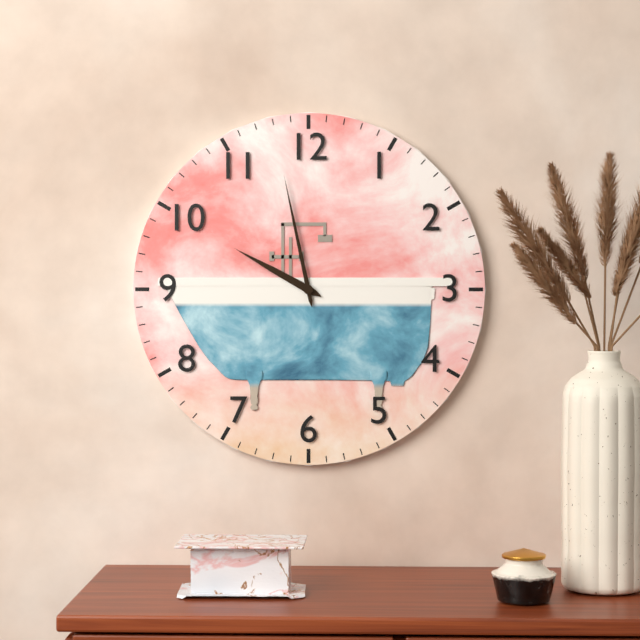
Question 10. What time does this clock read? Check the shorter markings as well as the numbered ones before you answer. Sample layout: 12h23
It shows 9h58
